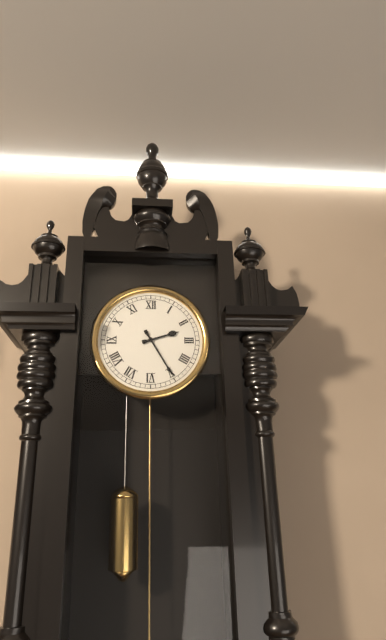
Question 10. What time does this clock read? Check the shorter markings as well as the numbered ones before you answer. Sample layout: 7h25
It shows 2h25
